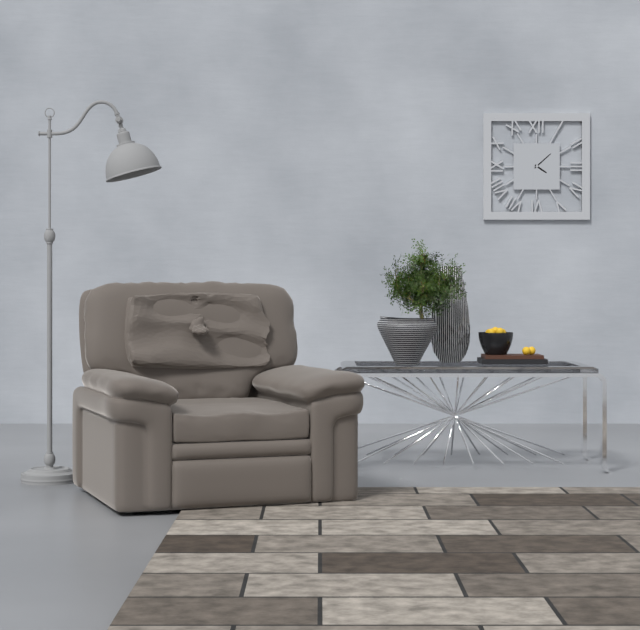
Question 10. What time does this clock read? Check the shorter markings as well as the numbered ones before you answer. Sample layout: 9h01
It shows 4h08
